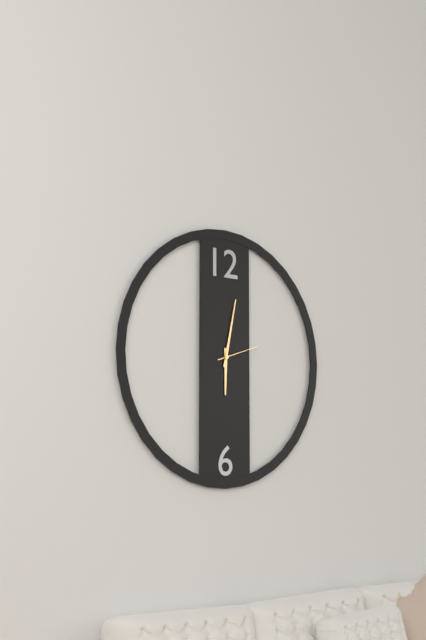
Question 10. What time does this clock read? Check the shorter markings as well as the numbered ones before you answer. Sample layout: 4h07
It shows 6h02
